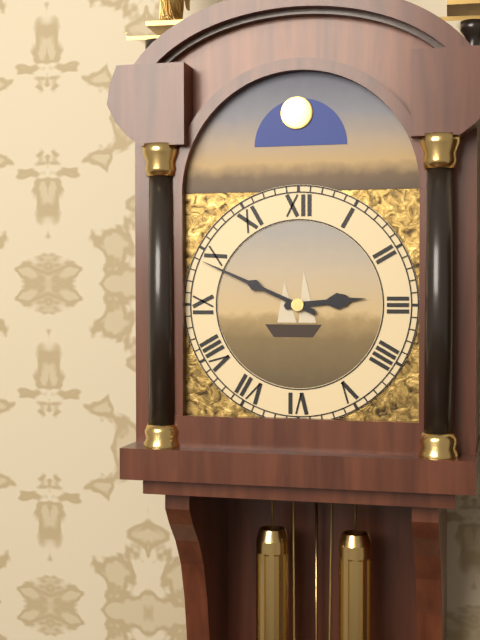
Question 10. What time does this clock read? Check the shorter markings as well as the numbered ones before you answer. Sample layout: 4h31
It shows 2h49
